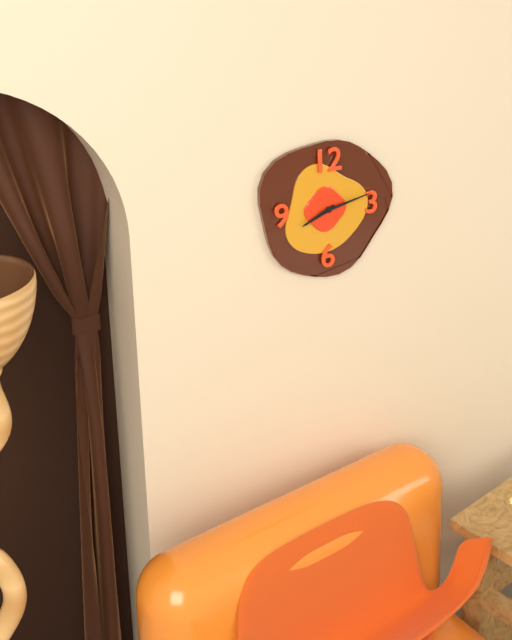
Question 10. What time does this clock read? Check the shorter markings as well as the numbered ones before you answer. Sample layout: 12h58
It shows 8h13
